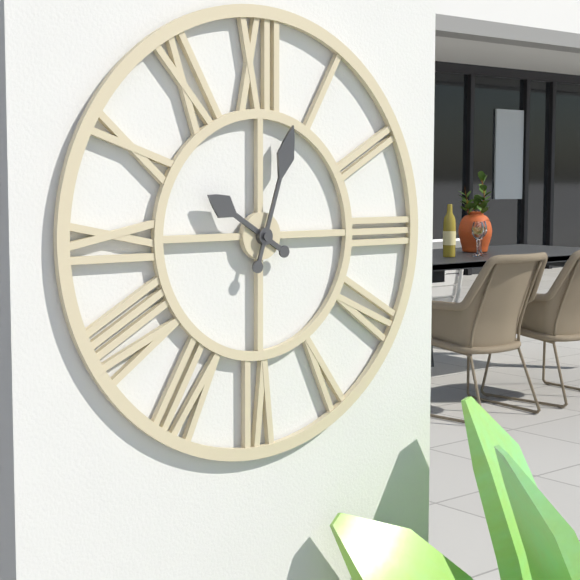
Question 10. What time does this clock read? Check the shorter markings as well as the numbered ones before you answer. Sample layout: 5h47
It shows 10h03
